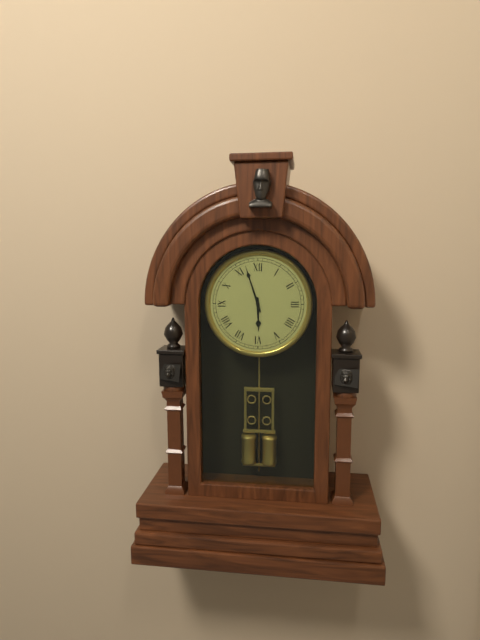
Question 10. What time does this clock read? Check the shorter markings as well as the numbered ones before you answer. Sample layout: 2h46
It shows 5h57
